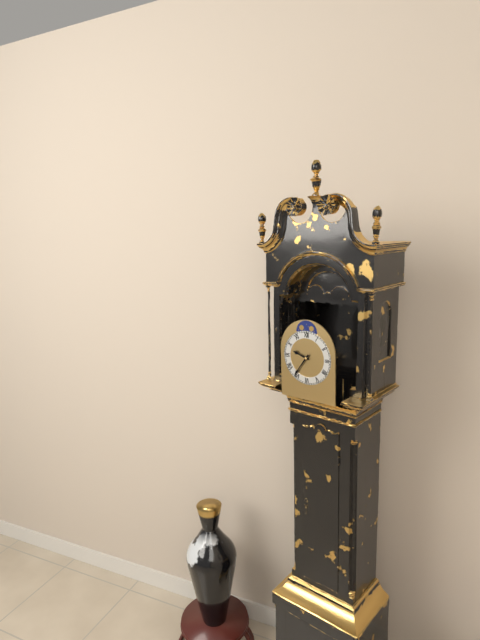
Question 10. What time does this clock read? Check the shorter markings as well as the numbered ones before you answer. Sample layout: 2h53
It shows 9h36
